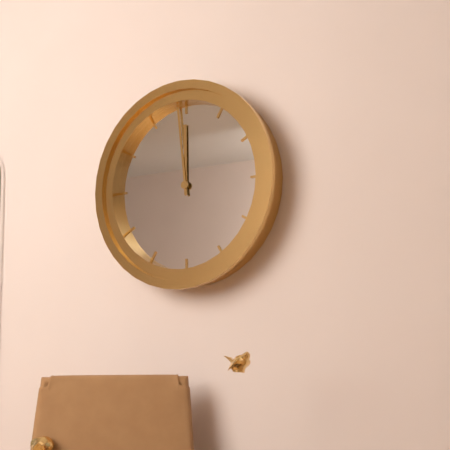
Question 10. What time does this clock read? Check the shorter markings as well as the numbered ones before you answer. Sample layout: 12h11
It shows 11h59
